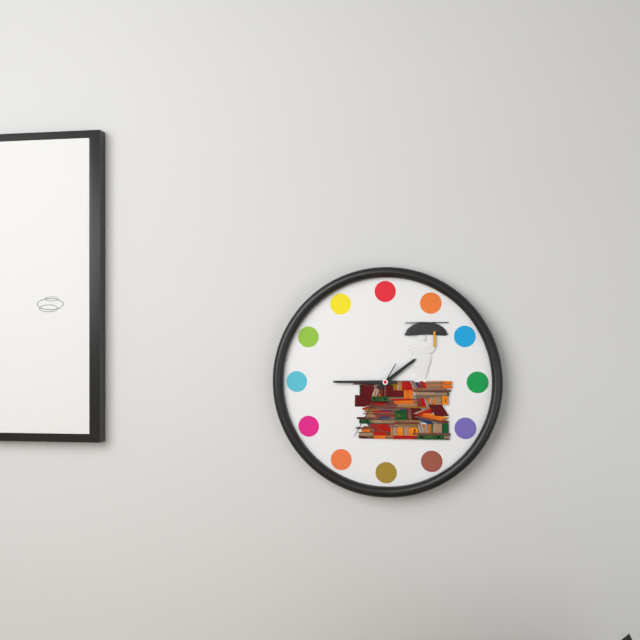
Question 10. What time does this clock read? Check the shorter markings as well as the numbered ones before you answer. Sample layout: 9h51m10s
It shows 1h45m35s
